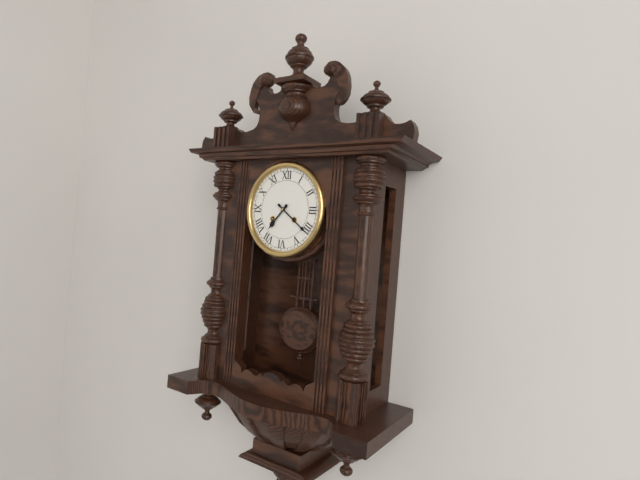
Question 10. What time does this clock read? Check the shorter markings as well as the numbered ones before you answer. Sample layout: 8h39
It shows 7h21
